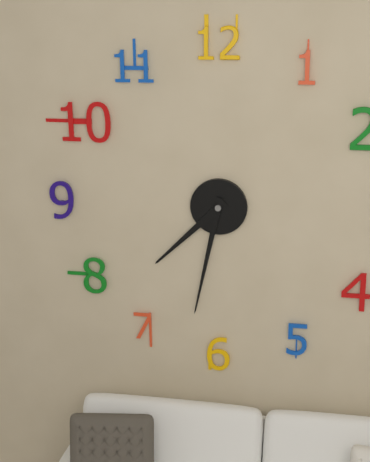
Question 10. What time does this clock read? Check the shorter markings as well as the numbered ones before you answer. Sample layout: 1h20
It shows 7h32
